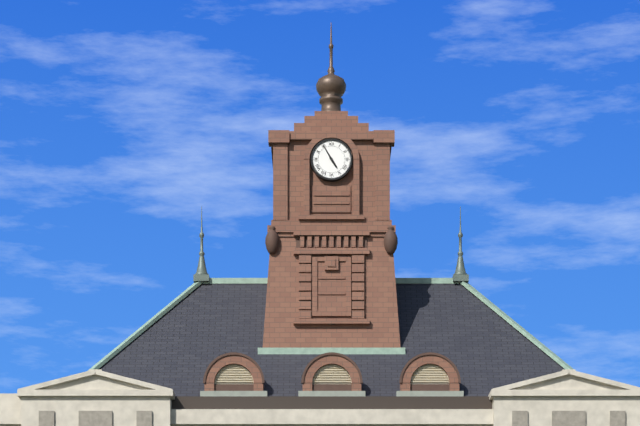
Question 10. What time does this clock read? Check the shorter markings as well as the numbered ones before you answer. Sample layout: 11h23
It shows 4h55
